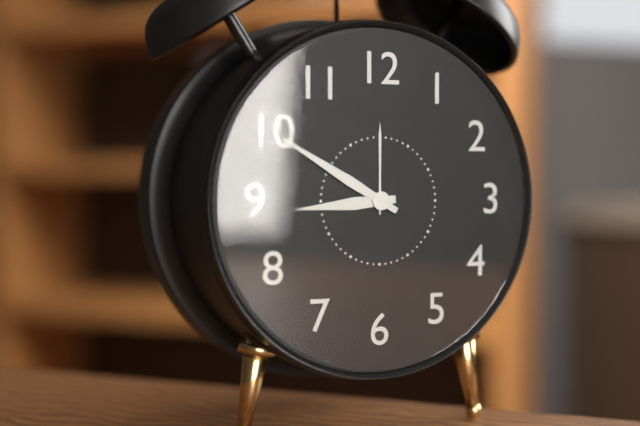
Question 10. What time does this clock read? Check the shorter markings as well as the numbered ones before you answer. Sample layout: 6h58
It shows 8h50
